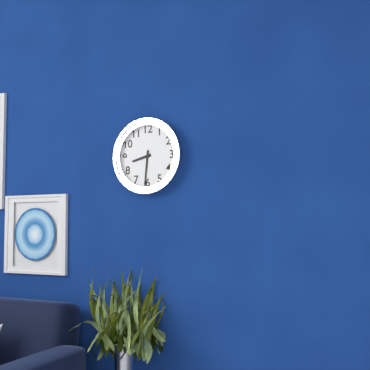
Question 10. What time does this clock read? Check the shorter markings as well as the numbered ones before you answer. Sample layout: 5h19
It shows 8h31
